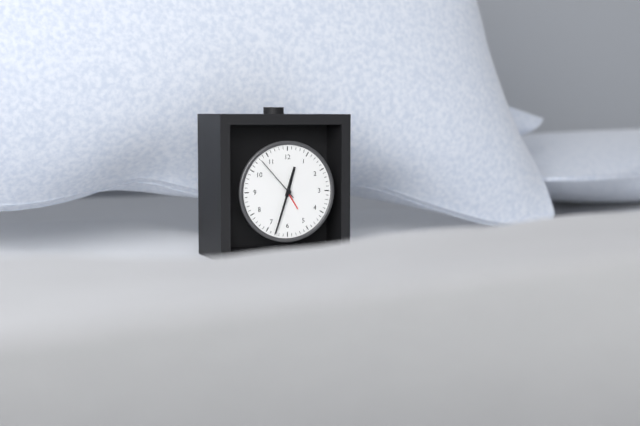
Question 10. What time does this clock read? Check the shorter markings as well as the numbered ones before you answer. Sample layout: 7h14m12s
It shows 12h33m53s
